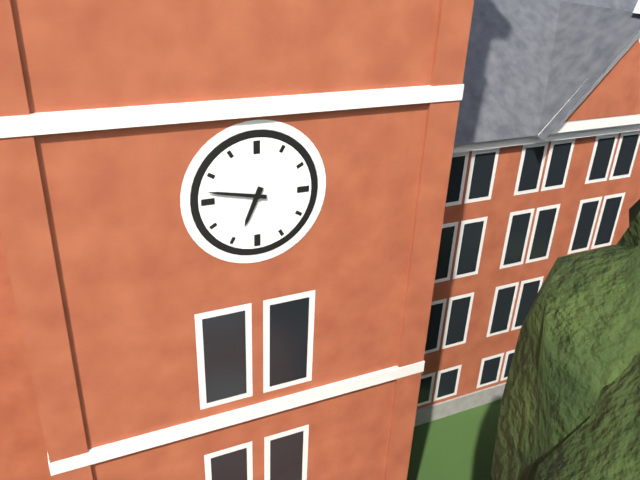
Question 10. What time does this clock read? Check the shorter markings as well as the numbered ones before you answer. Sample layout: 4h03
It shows 6h47
